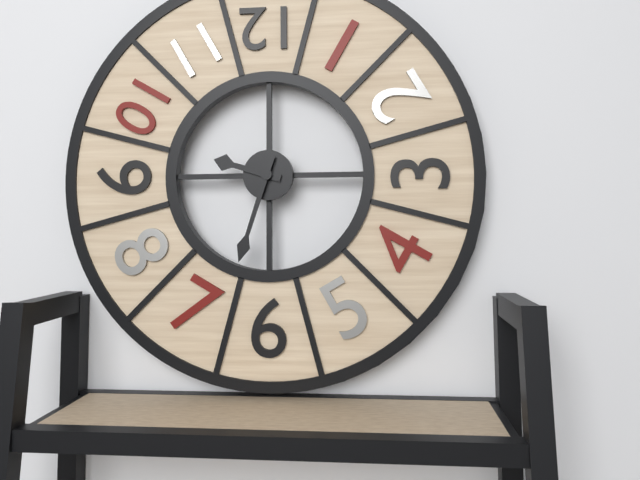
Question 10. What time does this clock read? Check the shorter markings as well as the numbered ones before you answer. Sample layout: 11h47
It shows 9h33
